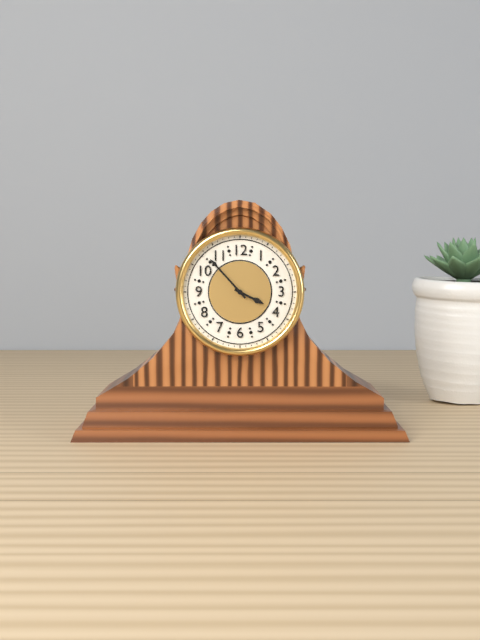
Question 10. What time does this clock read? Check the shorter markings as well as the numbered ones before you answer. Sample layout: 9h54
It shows 3h53
